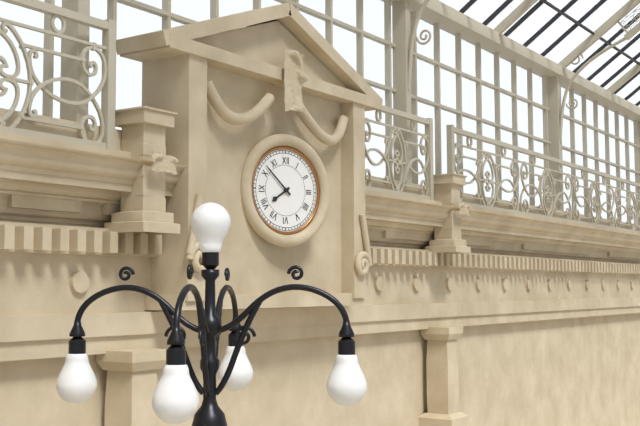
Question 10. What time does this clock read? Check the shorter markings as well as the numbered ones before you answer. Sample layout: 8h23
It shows 7h52
